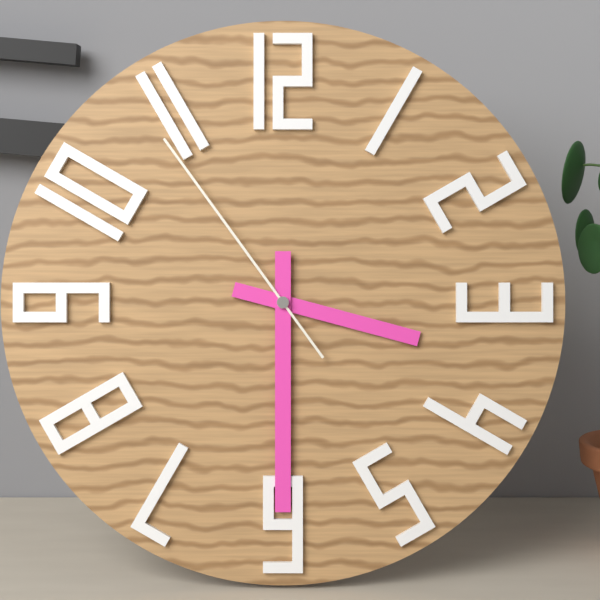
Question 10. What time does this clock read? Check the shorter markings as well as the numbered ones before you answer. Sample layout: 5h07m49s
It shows 3h30m54s
